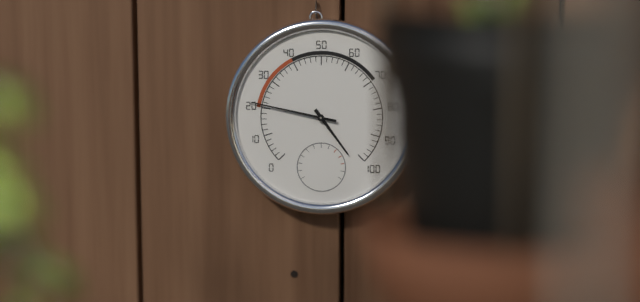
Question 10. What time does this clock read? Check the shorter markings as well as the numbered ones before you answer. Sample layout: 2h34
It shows 4h47
